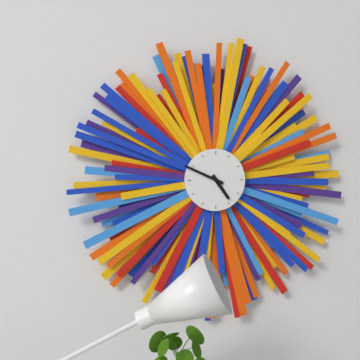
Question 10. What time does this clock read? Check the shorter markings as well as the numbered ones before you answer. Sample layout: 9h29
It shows 4h49
